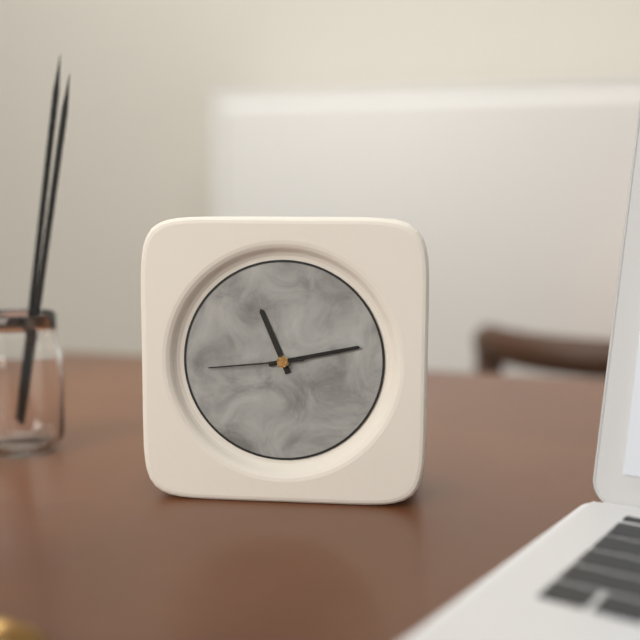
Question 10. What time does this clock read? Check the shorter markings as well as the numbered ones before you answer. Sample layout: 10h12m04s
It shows 11h13m44s
